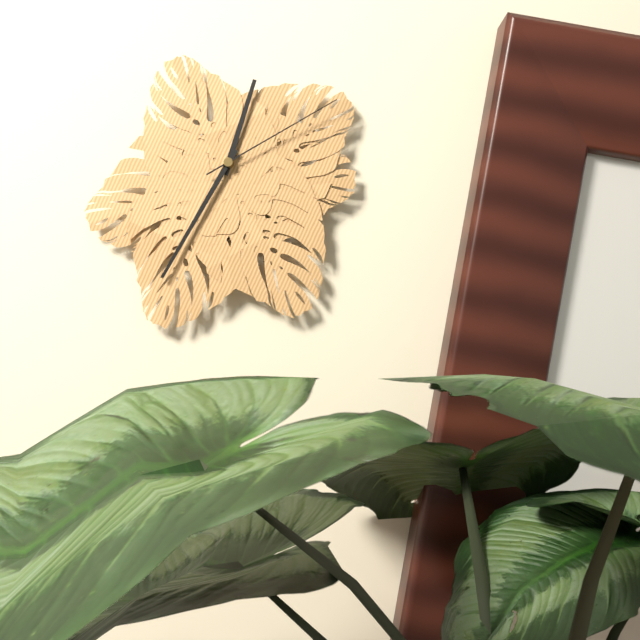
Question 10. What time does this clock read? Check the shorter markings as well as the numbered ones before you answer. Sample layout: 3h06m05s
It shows 12h35m10s
